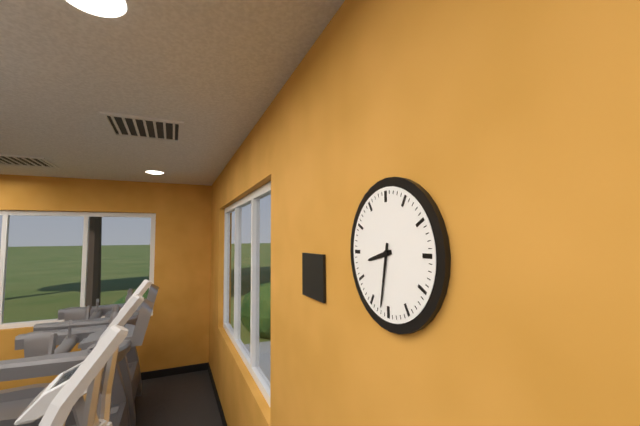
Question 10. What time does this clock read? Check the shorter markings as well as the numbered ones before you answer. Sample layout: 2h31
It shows 8h32
